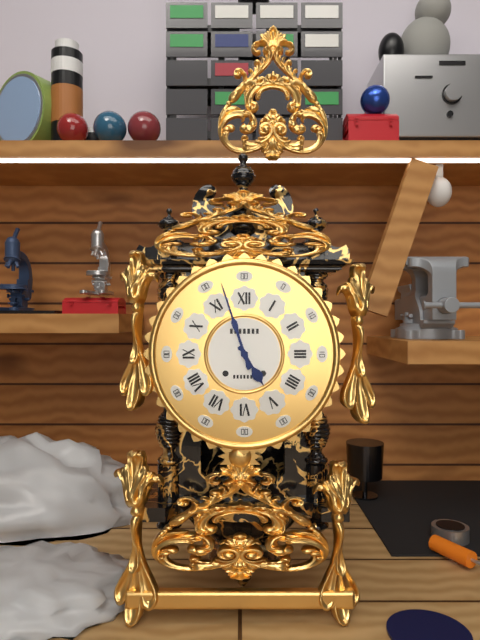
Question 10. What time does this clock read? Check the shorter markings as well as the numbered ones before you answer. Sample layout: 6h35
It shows 4h57
